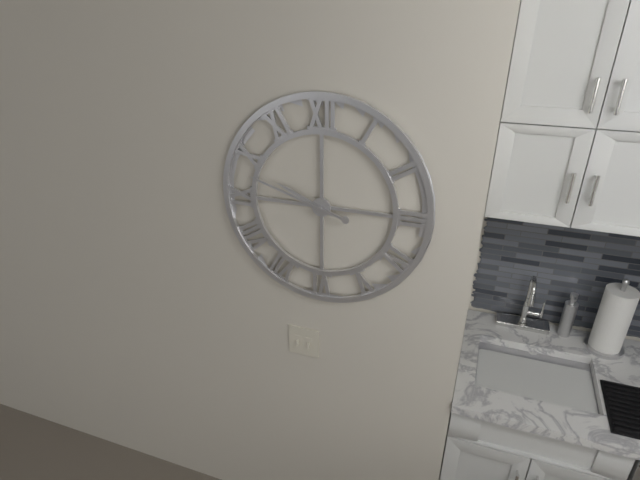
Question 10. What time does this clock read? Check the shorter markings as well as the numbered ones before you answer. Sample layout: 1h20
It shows 9h48
